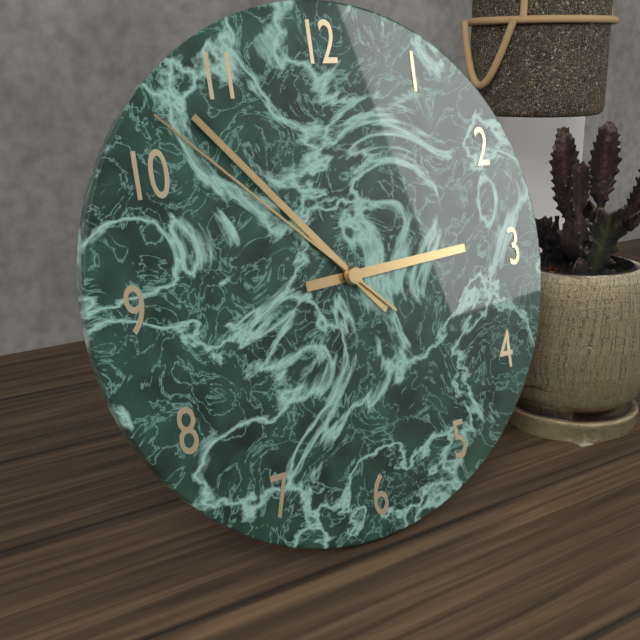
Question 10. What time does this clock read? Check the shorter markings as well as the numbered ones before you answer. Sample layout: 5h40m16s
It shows 2h53m52s
